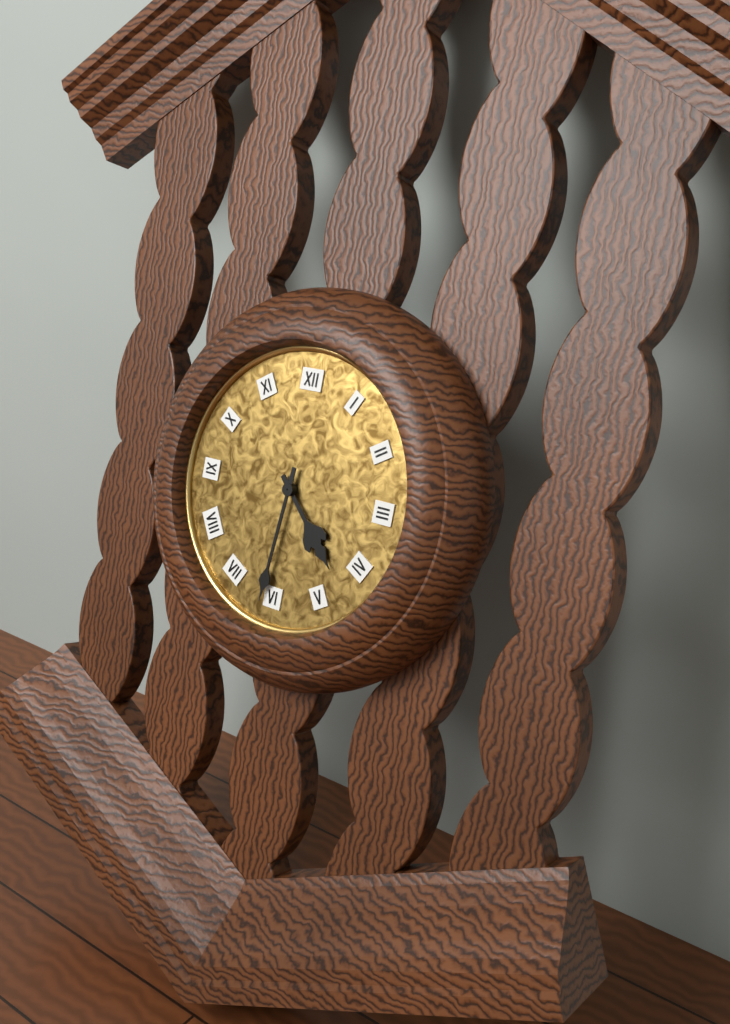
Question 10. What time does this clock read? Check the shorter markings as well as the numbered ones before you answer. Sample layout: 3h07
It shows 4h31
